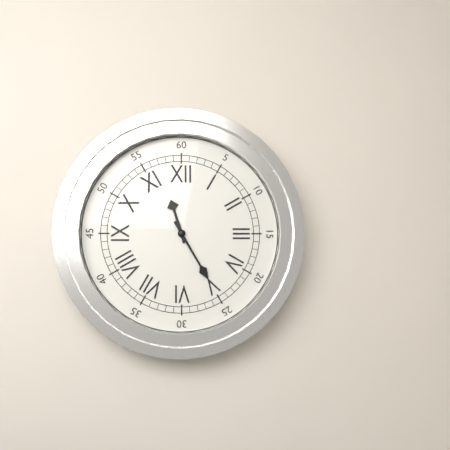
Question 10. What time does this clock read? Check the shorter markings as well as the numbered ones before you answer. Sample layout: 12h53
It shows 11h25
